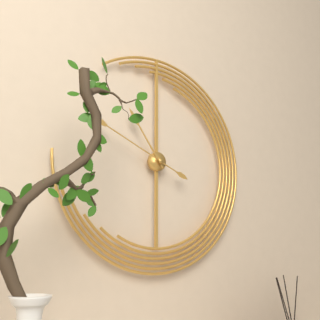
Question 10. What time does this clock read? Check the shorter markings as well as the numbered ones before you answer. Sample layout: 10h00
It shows 10h49
